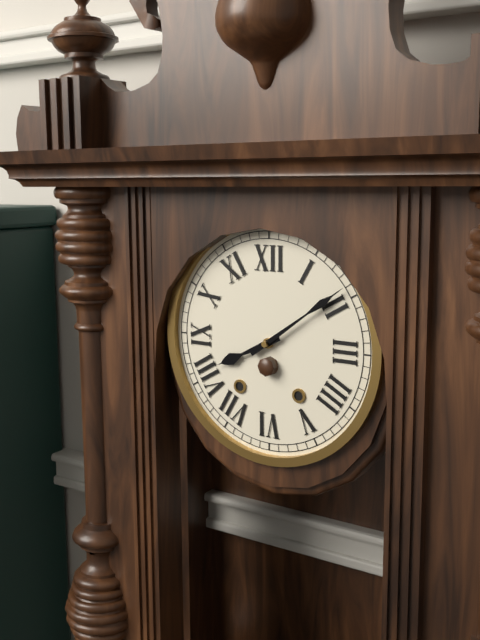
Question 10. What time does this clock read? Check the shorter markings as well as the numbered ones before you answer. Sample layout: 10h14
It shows 8h09
